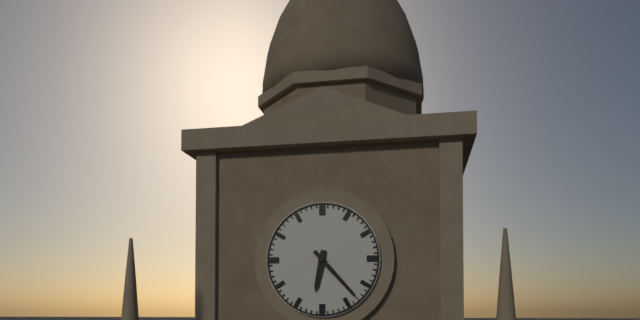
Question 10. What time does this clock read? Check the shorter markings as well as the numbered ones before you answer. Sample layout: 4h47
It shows 6h23
